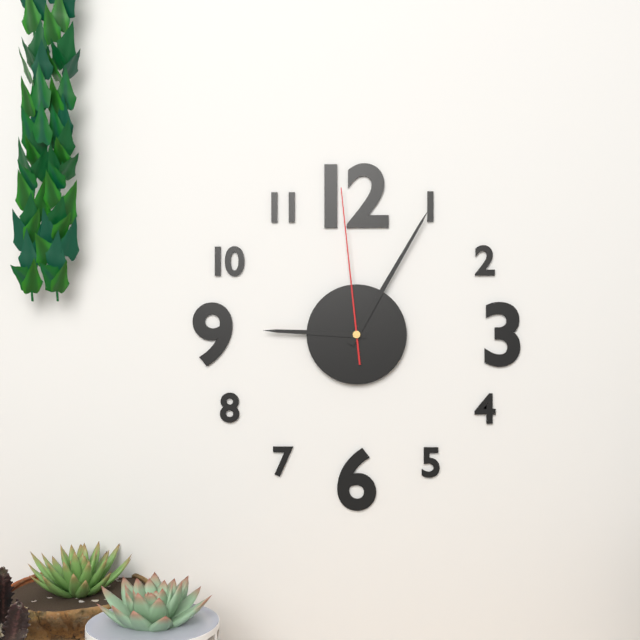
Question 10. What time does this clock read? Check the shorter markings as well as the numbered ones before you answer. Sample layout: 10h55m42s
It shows 9h05m59s
